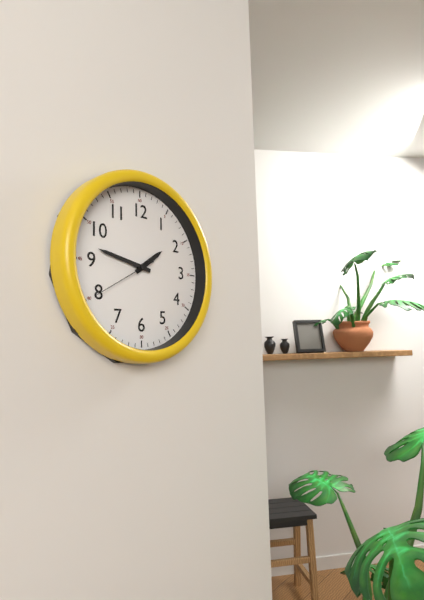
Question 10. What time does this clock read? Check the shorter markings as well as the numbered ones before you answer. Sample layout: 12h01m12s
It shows 1h47m40s
